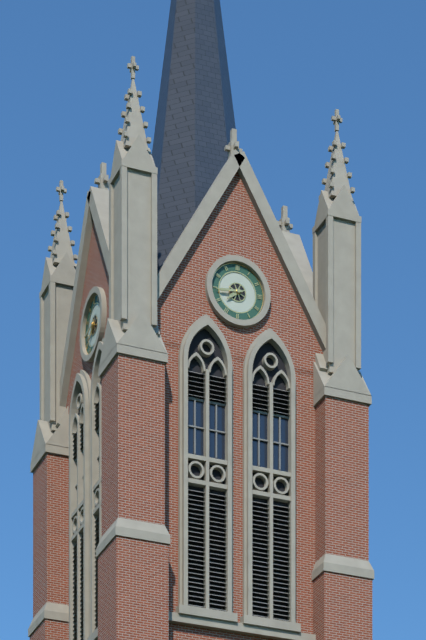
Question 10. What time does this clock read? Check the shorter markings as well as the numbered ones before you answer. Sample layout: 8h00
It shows 7h44
